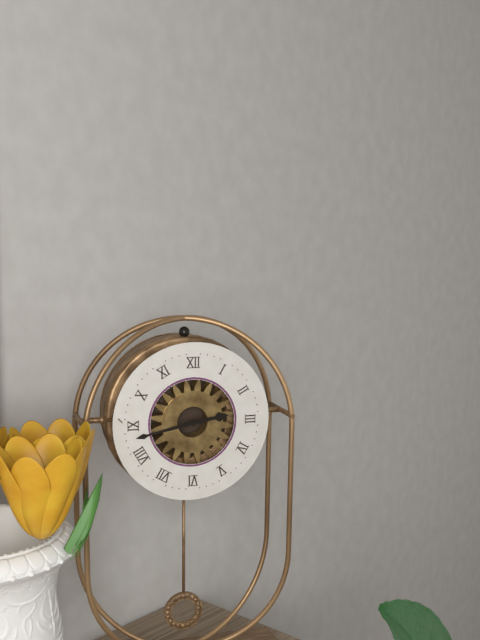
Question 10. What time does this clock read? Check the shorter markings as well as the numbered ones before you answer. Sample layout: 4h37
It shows 2h43
